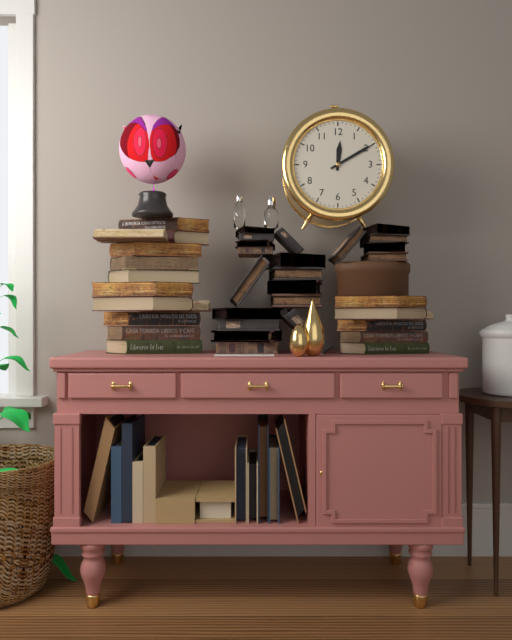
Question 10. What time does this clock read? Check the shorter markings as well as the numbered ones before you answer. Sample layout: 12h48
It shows 12h10
